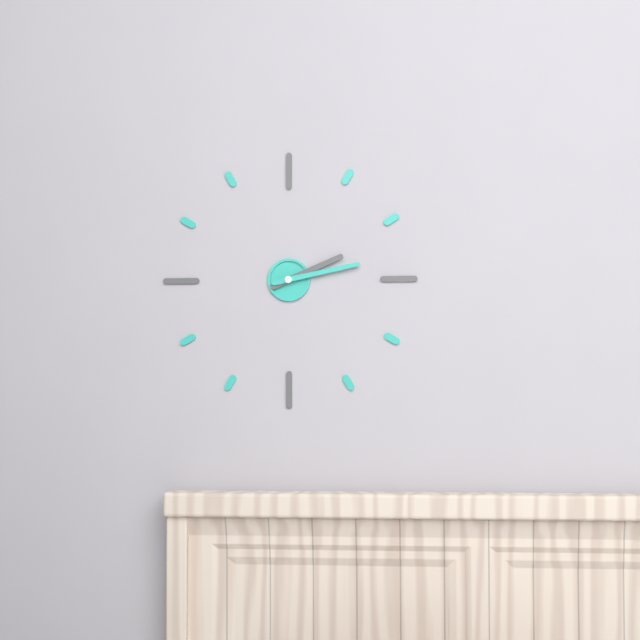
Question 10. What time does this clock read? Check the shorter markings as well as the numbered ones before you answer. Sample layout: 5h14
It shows 2h13
